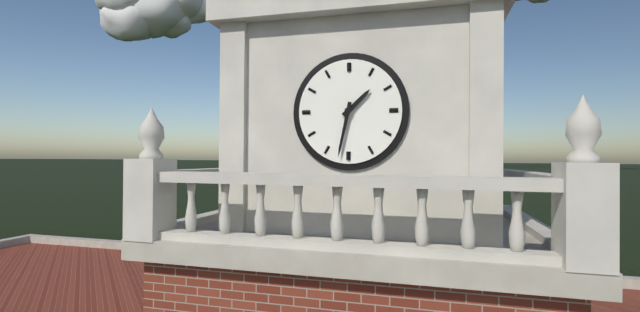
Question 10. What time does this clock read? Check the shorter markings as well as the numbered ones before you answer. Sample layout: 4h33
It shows 1h32
